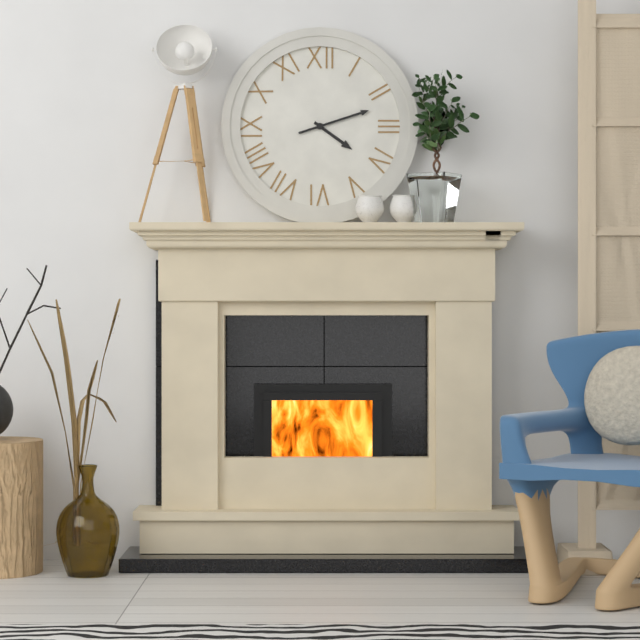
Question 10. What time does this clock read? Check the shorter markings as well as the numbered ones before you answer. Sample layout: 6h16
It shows 4h12
